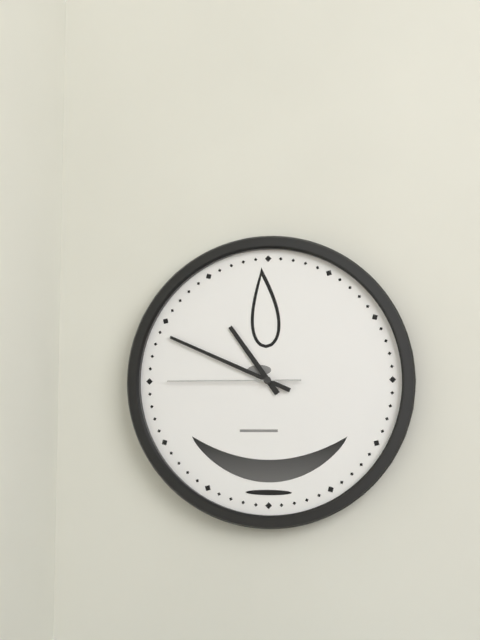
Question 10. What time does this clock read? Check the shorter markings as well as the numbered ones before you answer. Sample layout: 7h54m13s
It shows 10h49m45s
